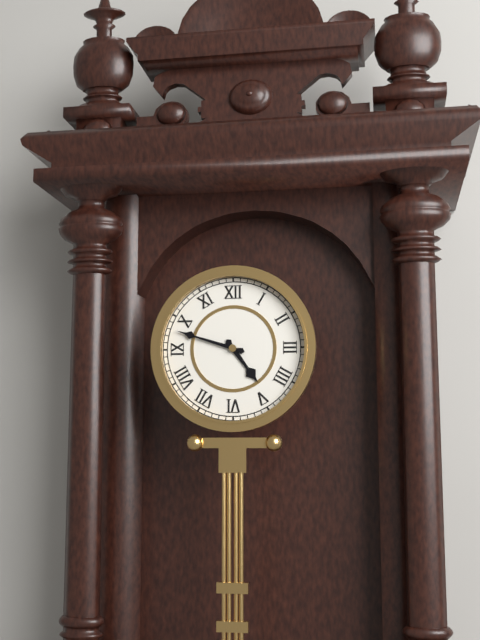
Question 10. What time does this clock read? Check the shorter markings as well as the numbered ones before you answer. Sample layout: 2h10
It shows 4h48
